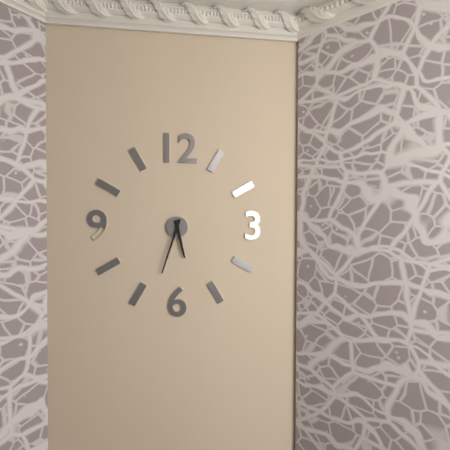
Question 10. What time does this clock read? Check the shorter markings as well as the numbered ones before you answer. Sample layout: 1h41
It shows 5h33
